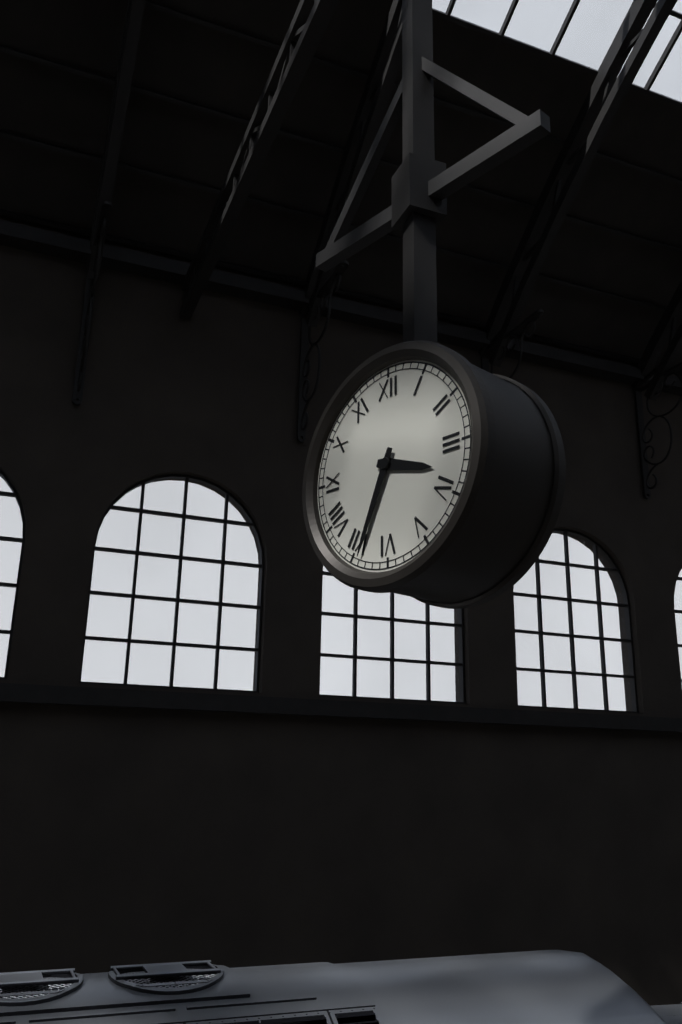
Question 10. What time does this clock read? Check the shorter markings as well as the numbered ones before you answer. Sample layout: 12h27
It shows 3h34
